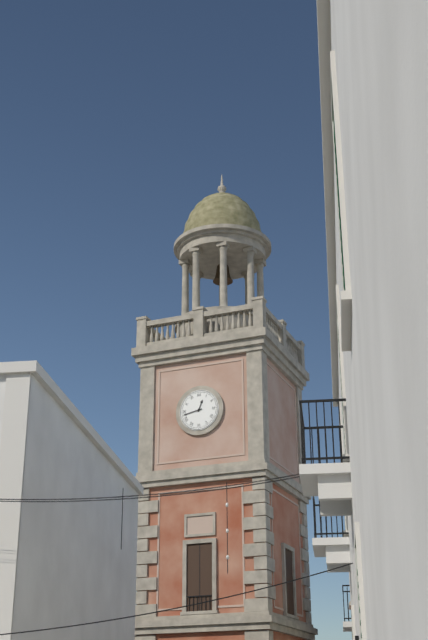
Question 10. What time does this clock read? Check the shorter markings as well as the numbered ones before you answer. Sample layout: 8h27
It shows 12h43
